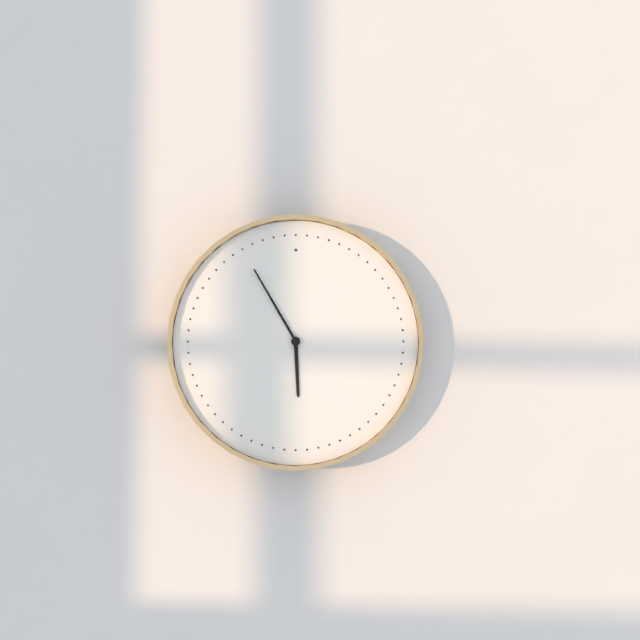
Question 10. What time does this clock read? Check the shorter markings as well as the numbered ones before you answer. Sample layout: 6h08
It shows 5h55
